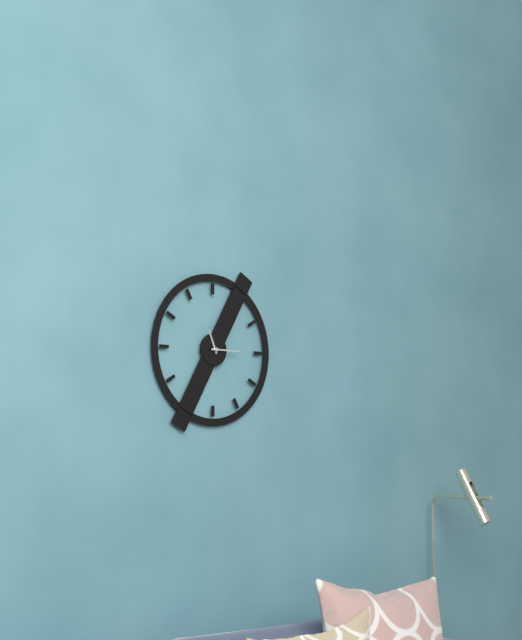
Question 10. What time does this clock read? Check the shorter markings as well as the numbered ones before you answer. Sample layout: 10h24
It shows 11h15
